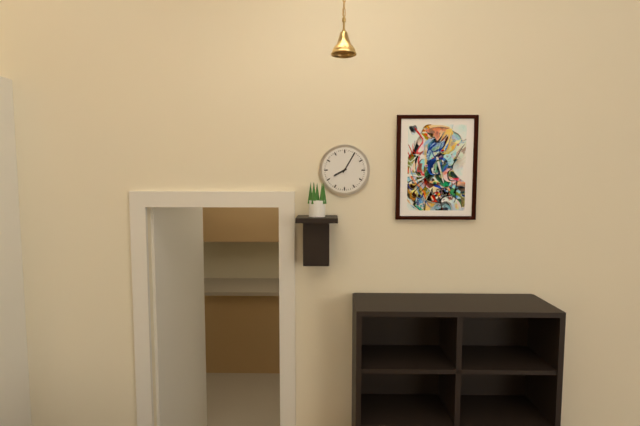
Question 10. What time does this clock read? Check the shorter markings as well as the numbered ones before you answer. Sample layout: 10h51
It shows 8h05
